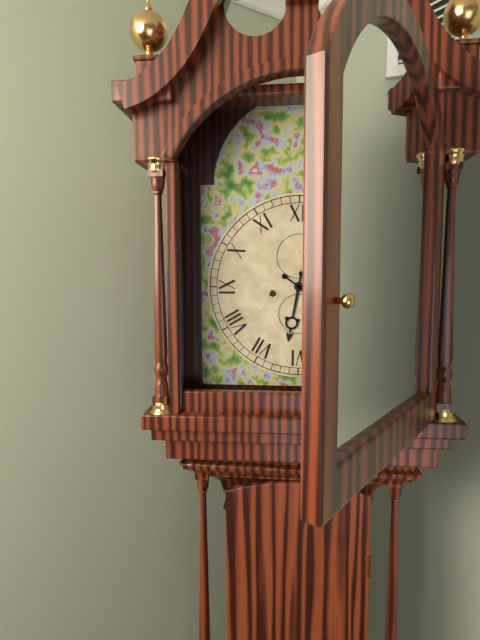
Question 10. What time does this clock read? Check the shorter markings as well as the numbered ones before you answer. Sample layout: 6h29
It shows 6h21
